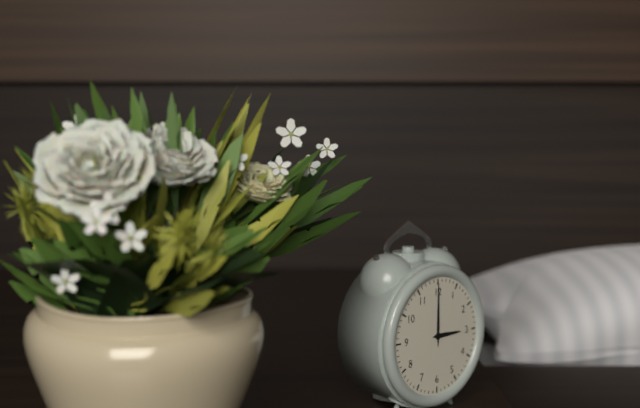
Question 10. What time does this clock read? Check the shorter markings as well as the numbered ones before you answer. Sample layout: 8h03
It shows 3h00
